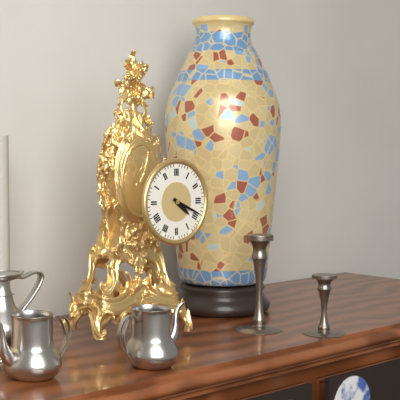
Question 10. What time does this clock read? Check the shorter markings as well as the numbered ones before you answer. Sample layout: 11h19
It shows 4h19
